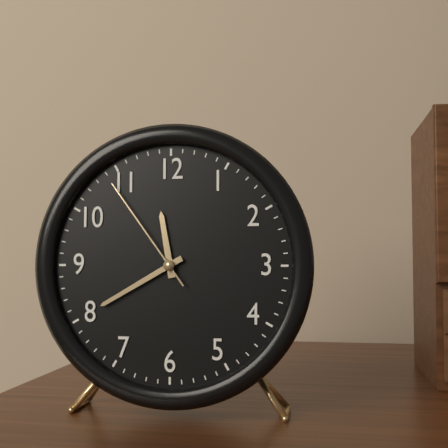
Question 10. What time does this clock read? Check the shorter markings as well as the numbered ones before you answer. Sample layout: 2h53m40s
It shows 11h40m54s
